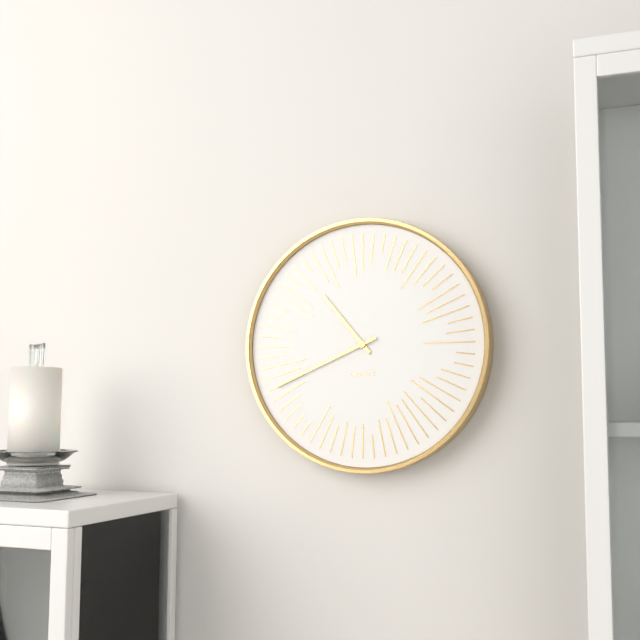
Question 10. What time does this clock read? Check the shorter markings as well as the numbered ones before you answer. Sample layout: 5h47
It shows 10h41
